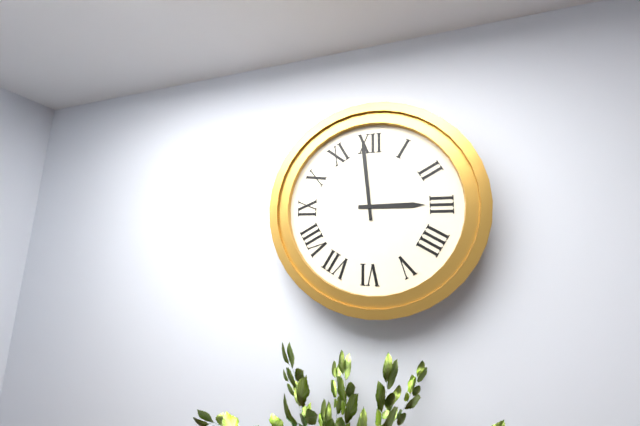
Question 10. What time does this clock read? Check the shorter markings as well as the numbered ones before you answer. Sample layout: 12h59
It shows 2h59
